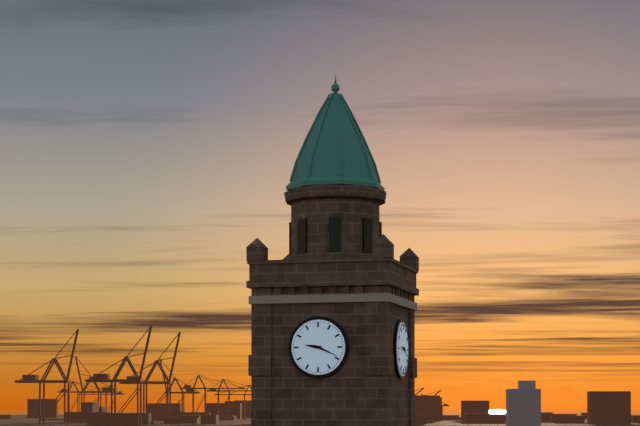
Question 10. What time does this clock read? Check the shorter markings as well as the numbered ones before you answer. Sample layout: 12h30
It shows 9h19
